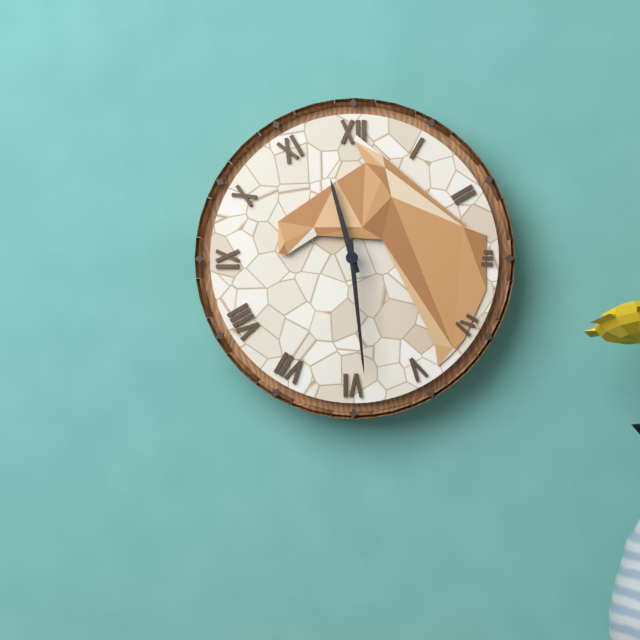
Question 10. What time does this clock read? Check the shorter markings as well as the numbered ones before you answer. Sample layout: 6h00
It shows 11h29
